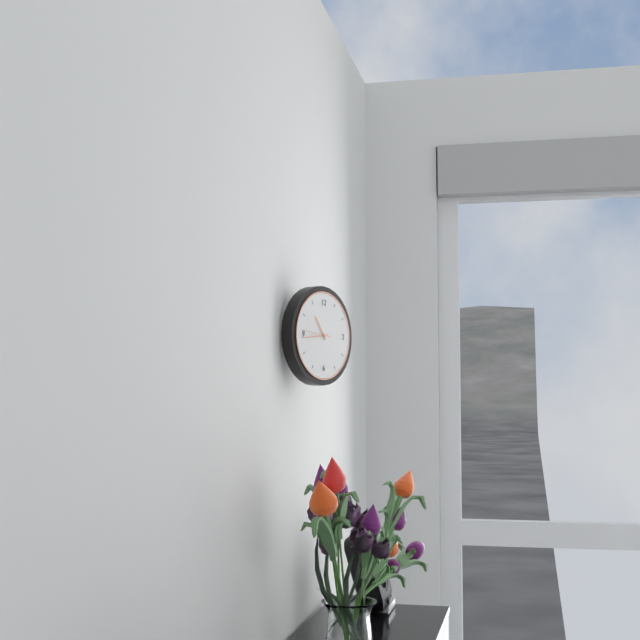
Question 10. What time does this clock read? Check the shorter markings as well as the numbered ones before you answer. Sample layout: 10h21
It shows 10h44
